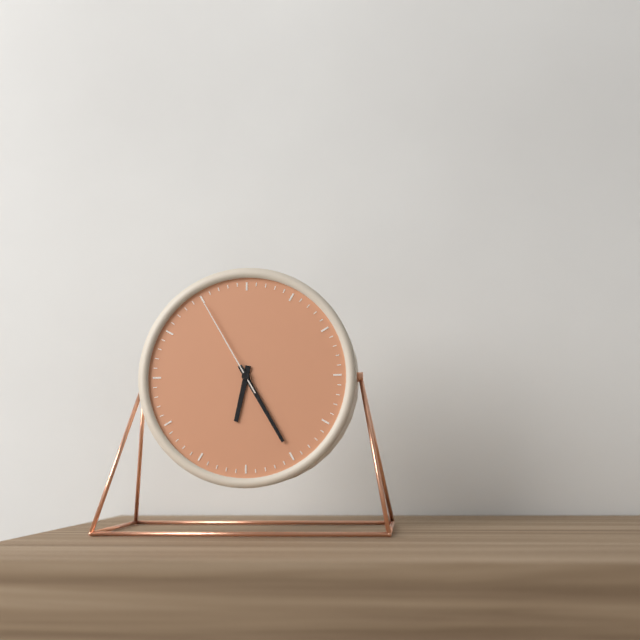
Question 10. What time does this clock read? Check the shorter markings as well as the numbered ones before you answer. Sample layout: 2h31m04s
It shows 6h25m55s
